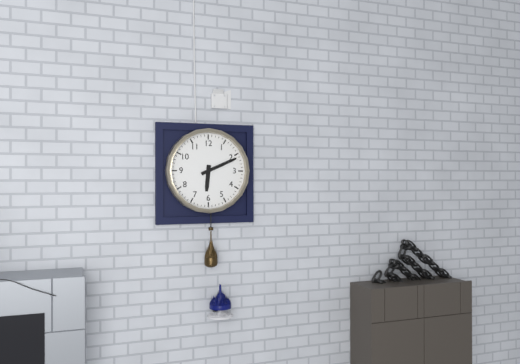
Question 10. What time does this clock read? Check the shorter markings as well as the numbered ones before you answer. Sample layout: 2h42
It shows 6h11
